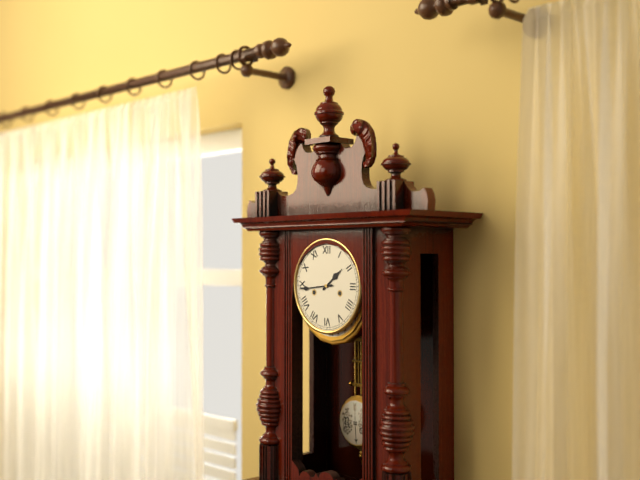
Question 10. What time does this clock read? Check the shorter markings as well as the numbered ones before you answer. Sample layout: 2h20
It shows 1h44
